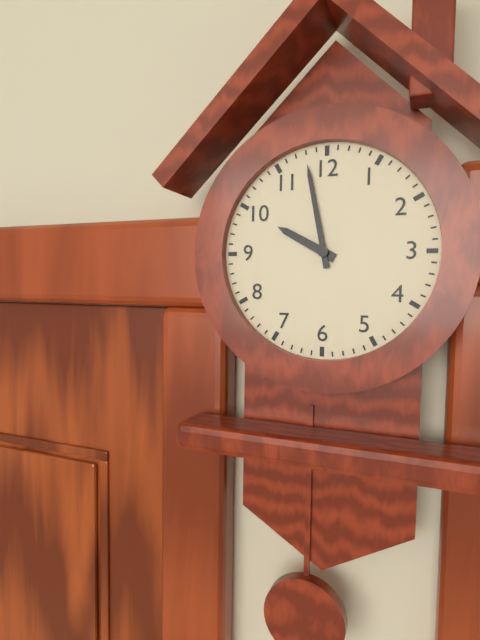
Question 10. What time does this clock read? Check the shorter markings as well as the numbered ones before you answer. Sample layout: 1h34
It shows 9h58
